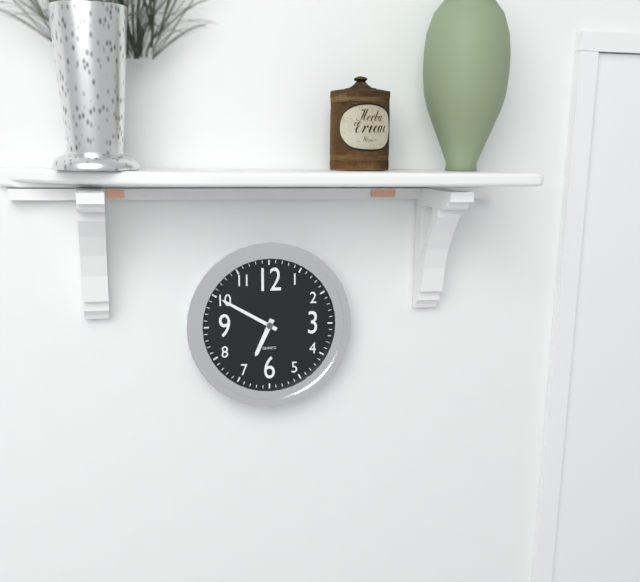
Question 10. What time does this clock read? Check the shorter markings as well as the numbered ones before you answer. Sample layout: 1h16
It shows 6h50
